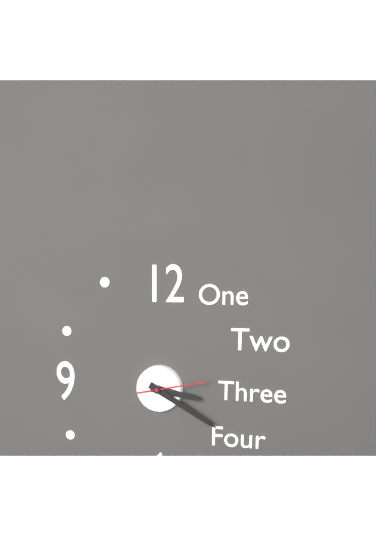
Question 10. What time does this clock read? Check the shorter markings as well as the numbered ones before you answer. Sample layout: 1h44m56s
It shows 3h20m13s
